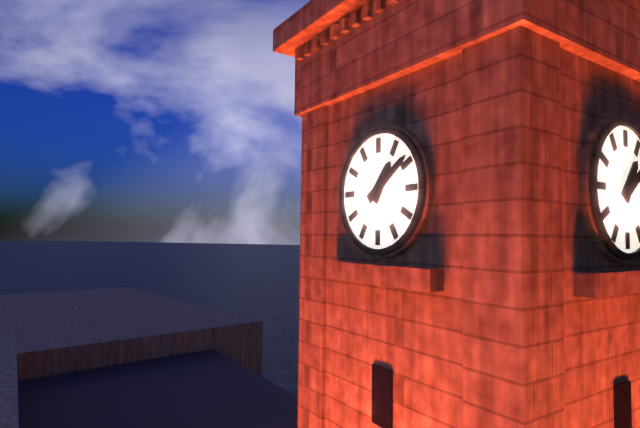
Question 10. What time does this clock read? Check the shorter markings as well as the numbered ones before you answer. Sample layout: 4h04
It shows 1h09
